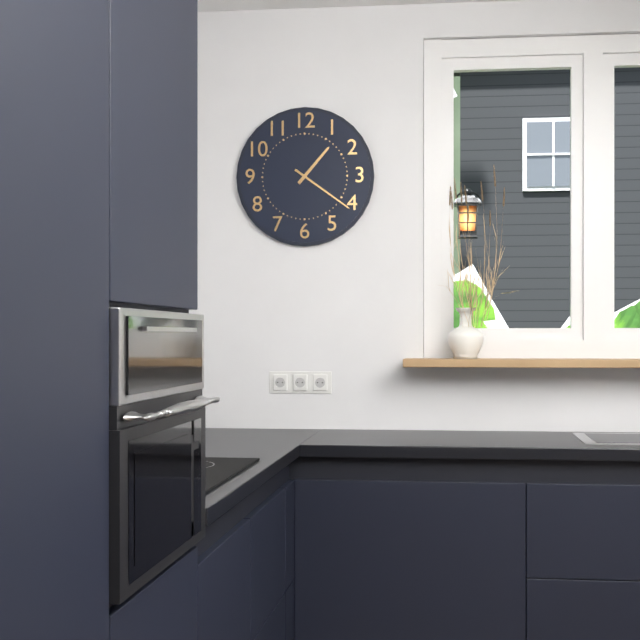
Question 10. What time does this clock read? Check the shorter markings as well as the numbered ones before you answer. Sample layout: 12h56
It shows 1h21
